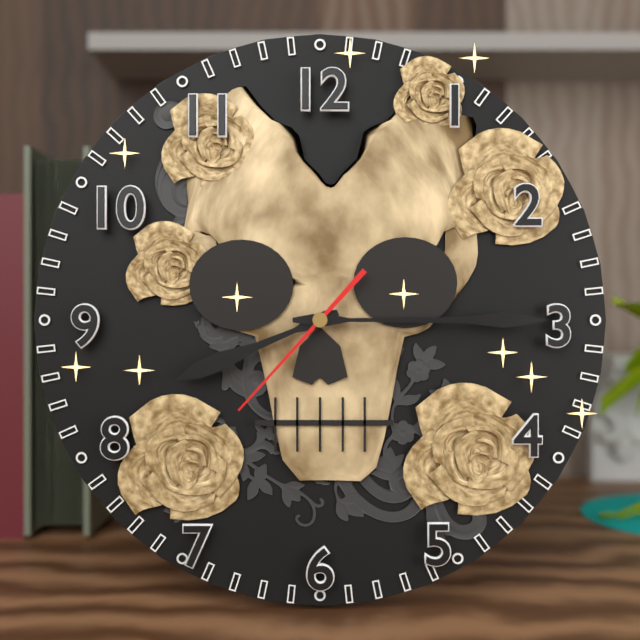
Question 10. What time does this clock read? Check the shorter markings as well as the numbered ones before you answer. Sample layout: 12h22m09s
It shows 8h15m37s
